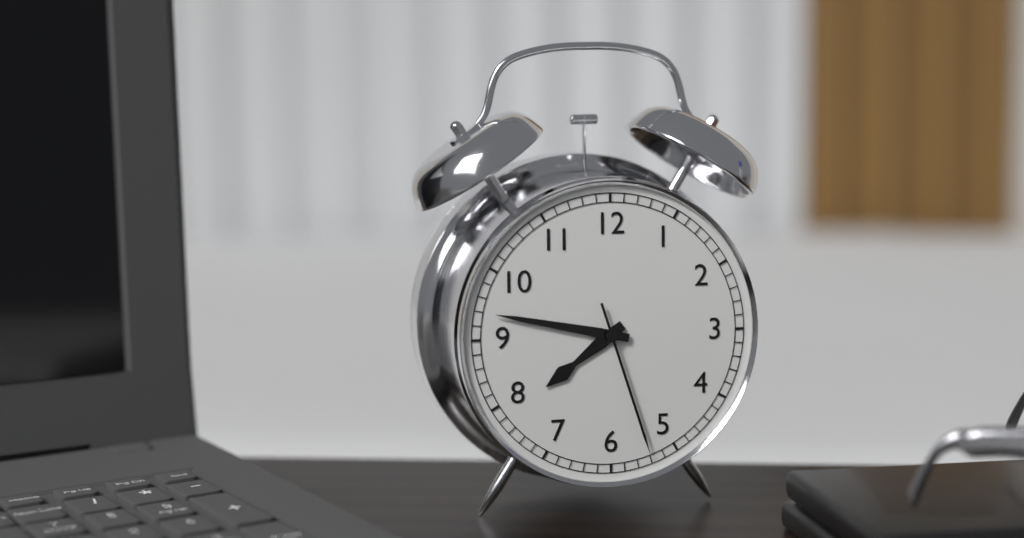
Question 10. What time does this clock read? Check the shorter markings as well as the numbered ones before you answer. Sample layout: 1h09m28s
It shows 7h47m27s
